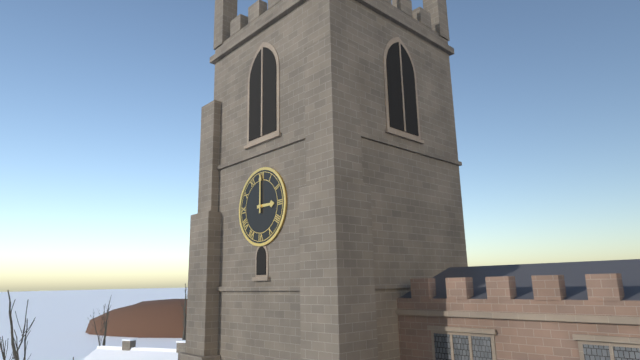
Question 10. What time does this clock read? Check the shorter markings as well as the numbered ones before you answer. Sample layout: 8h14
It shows 3h00
